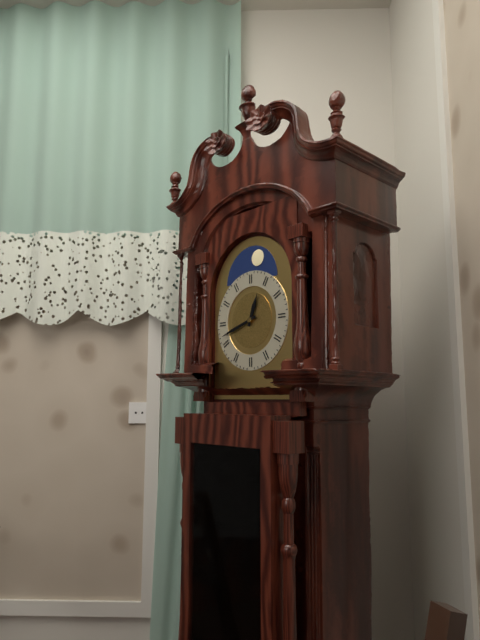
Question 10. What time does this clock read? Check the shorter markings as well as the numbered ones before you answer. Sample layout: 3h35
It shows 12h42
